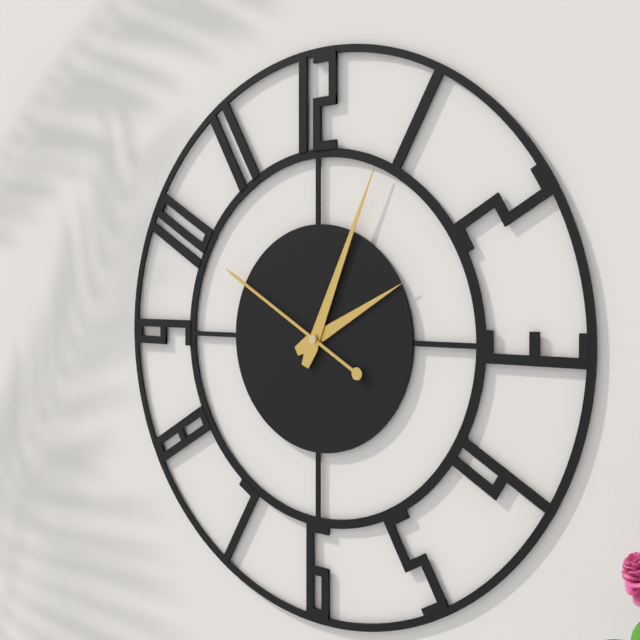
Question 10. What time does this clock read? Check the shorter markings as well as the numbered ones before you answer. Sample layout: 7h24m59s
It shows 2h04m50s
